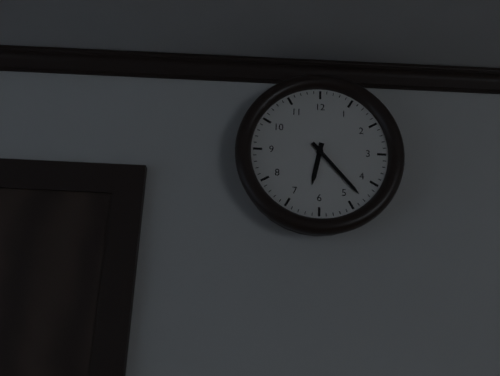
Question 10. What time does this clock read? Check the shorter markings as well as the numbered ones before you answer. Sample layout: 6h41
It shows 6h23
